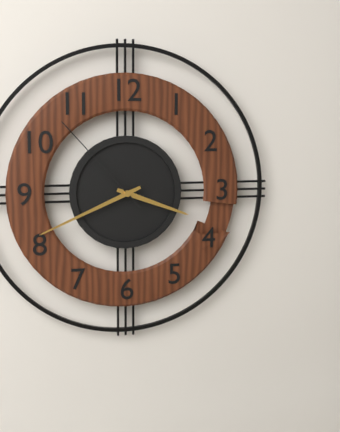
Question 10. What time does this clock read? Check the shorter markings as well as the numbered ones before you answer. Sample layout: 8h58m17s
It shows 3h41m53s
